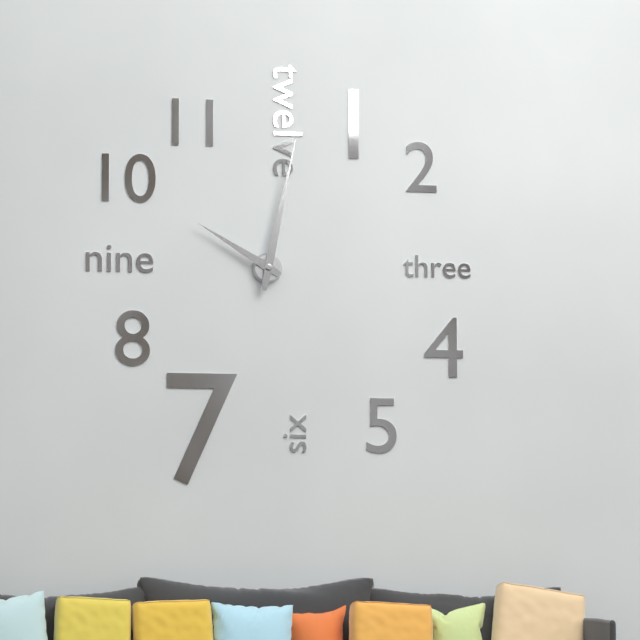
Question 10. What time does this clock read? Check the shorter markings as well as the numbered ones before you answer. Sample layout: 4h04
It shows 10h02
